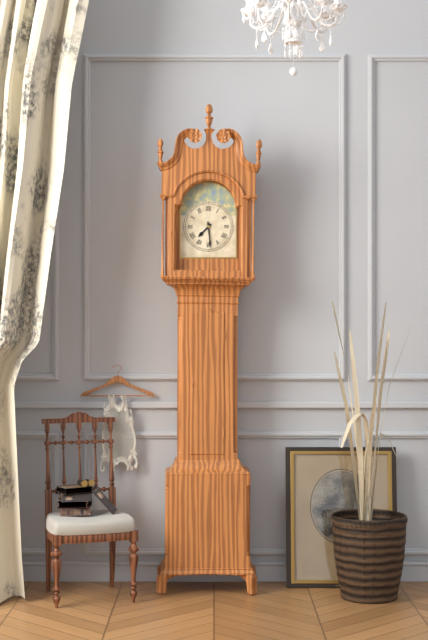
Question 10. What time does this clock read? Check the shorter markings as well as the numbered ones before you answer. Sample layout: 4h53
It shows 7h29
